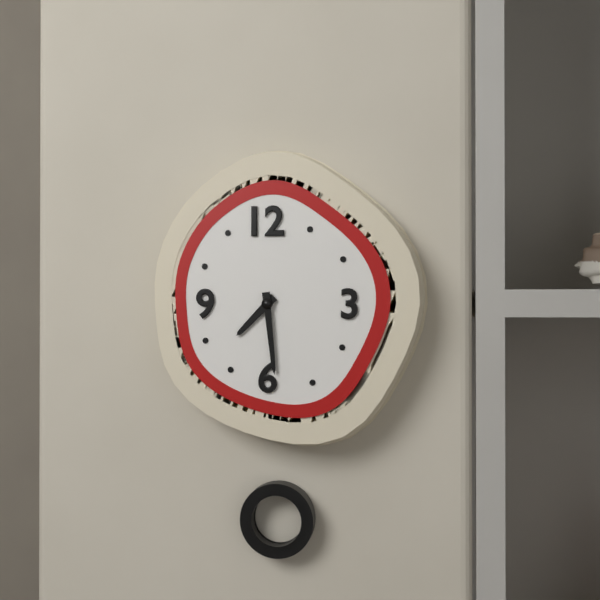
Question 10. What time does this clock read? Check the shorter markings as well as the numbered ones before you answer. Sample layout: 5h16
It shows 7h29
